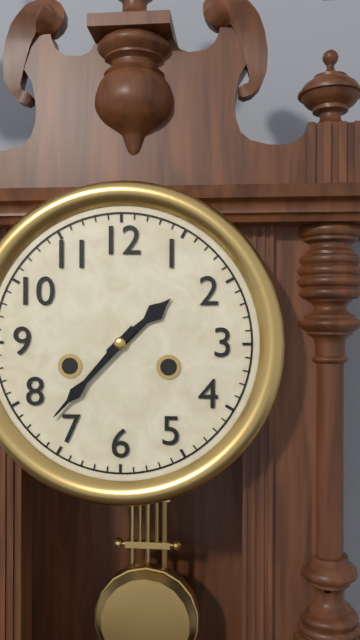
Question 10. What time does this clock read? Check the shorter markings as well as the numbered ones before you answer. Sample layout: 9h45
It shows 1h37
